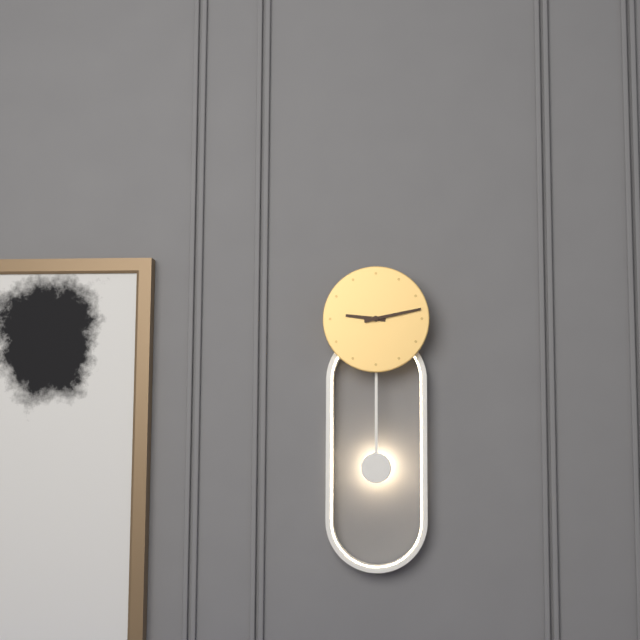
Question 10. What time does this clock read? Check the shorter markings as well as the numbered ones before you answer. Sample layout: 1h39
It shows 9h13
